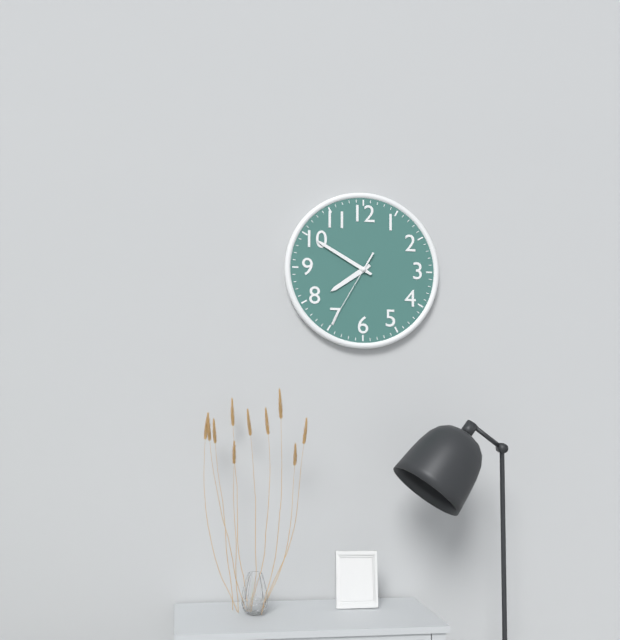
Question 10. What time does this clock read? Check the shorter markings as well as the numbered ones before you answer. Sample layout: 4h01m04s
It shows 7h50m35s
